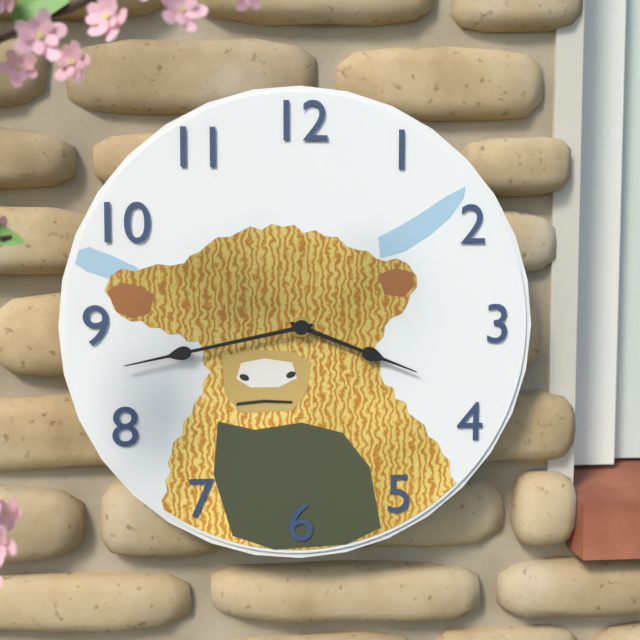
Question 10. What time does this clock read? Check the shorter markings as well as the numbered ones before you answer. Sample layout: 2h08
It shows 3h43
